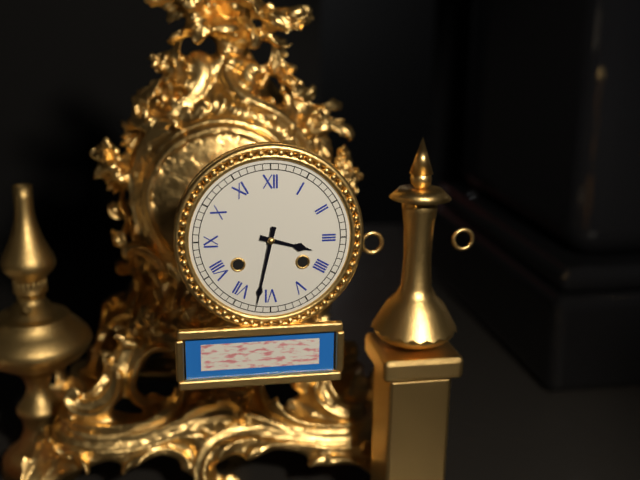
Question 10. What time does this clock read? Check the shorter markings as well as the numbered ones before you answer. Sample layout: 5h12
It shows 3h32
